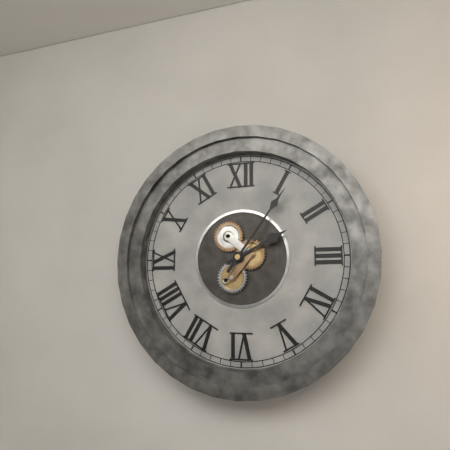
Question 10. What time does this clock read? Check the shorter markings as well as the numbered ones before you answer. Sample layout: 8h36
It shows 2h06
